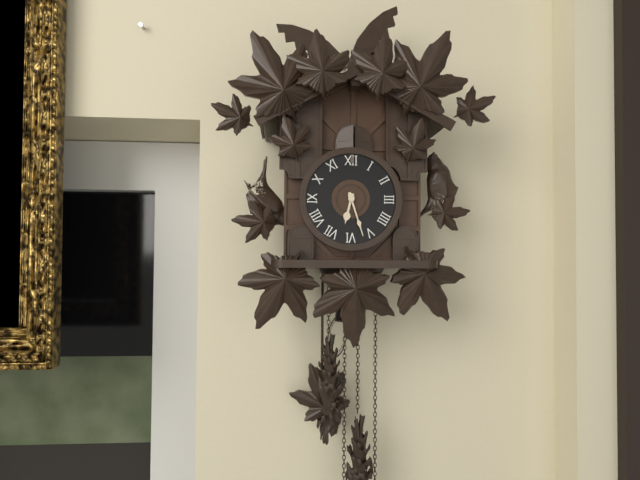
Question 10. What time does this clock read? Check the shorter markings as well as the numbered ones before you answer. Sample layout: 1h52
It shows 6h27
